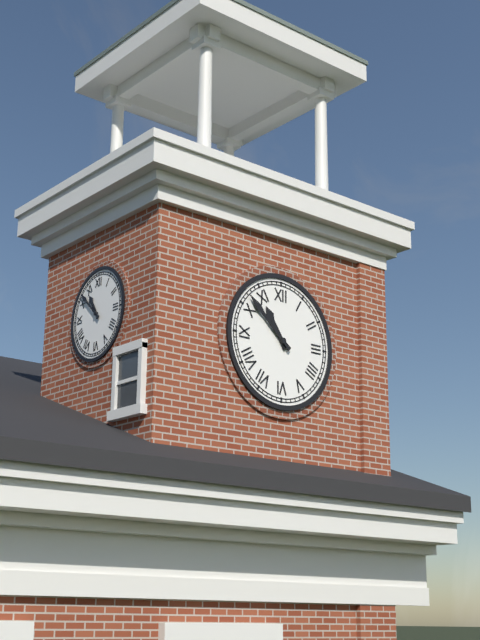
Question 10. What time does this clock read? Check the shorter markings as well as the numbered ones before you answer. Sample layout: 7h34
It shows 10h52
